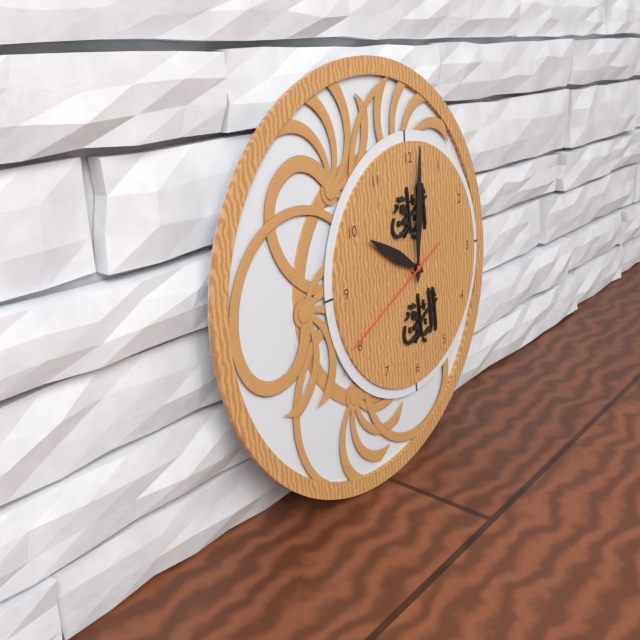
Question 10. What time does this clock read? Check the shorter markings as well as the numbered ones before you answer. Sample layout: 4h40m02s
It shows 10h01m41s
